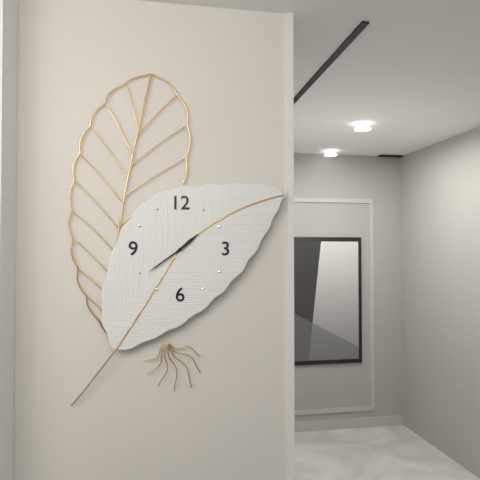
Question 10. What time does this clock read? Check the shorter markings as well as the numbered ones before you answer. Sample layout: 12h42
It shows 1h39
